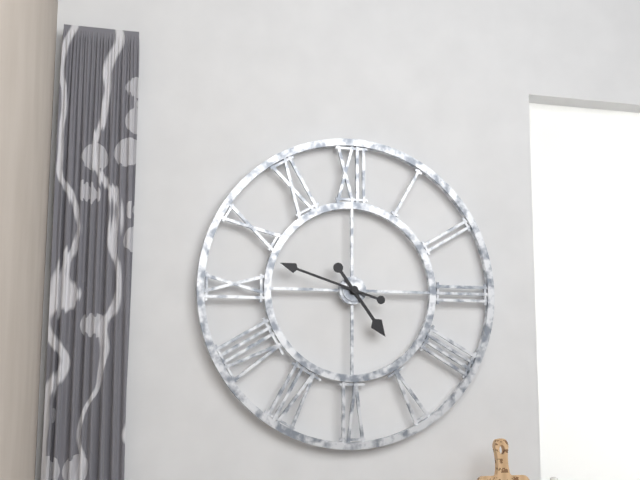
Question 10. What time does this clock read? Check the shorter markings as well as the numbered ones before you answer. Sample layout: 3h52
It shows 4h48
